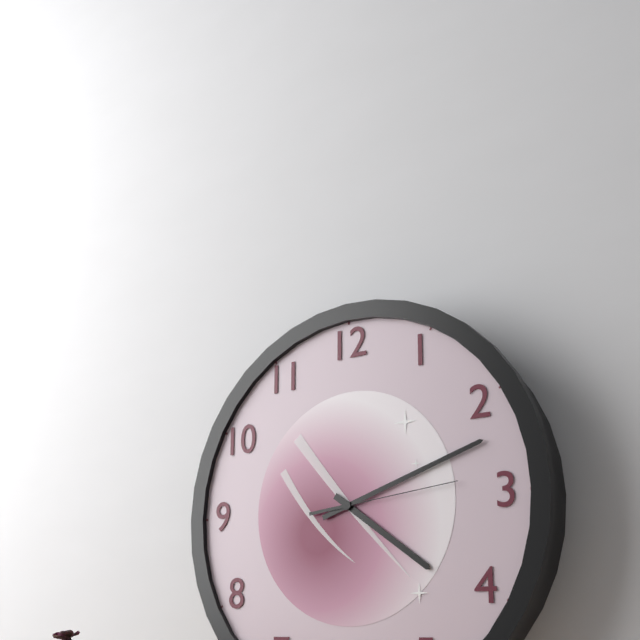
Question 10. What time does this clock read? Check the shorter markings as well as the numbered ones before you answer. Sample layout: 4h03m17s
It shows 4h12m14s
